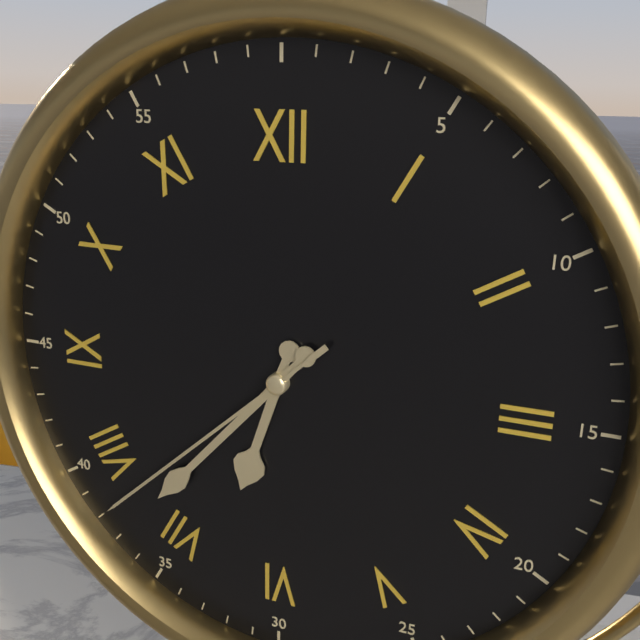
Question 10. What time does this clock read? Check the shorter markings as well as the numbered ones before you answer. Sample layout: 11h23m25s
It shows 6h37m38s
